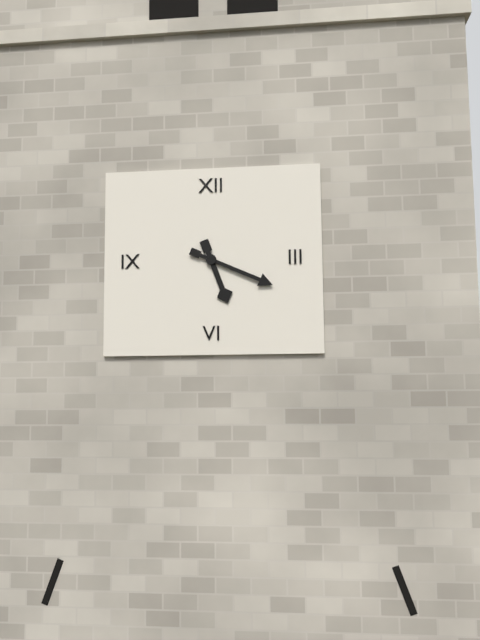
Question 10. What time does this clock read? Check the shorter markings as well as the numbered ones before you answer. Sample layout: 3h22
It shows 5h19
